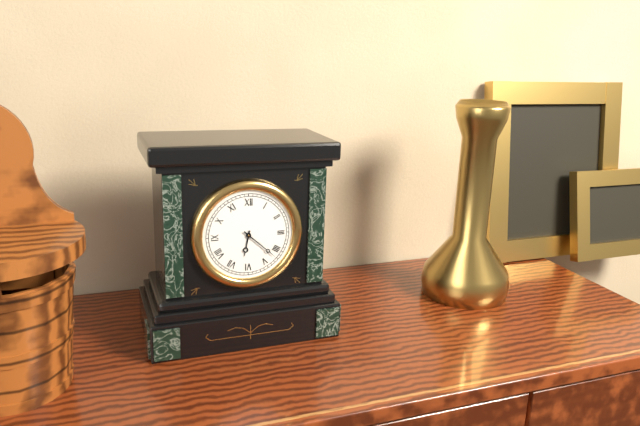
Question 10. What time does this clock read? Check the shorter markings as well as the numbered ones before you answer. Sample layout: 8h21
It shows 6h22
